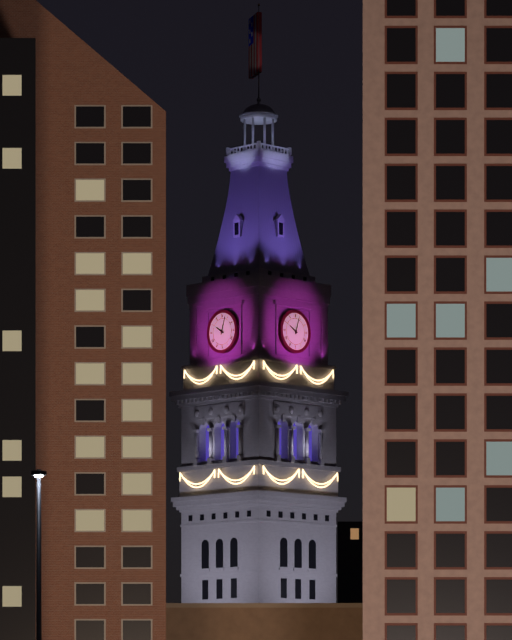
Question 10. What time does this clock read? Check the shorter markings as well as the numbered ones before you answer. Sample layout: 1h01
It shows 10h03
